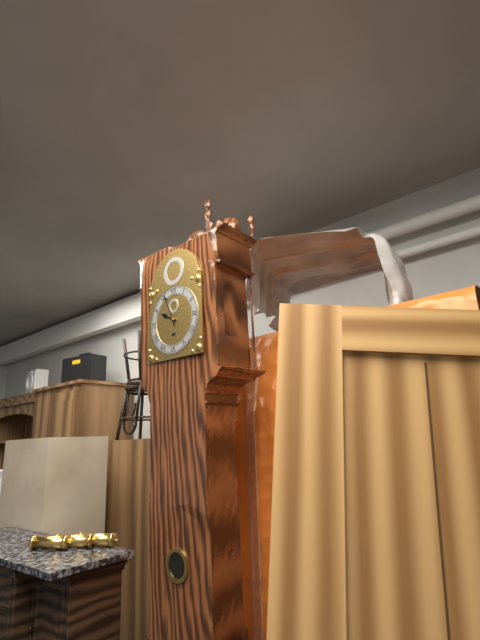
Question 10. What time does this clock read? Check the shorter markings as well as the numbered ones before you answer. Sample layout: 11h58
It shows 9h56
